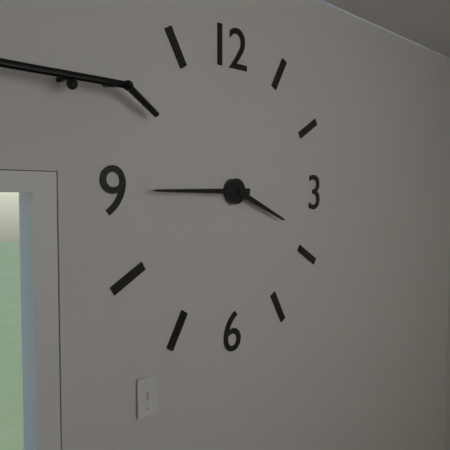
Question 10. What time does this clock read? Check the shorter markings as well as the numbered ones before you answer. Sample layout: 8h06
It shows 3h45
